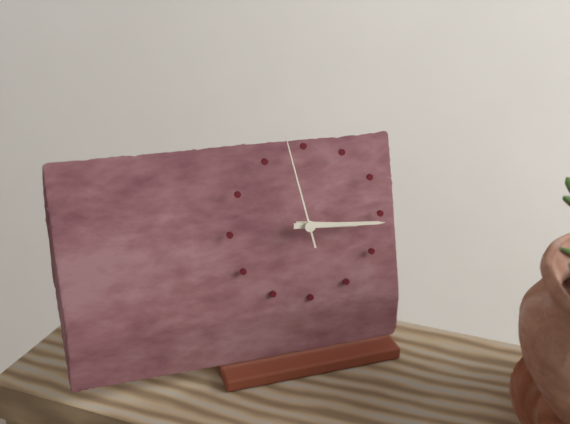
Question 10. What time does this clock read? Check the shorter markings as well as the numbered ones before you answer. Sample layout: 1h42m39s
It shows 3h16m58s
